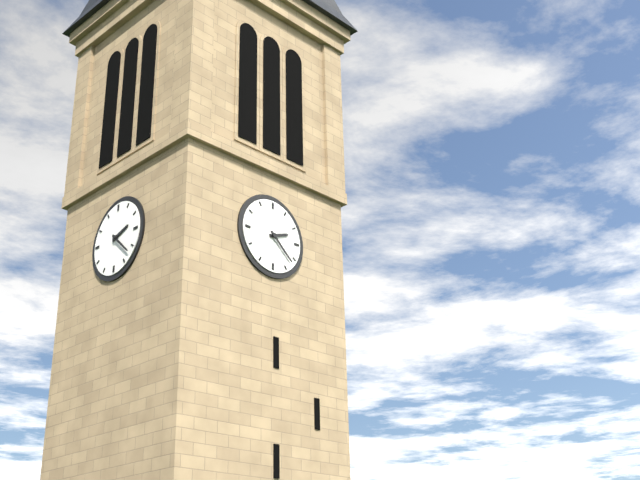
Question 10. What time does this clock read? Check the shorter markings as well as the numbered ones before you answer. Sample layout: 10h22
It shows 2h22
